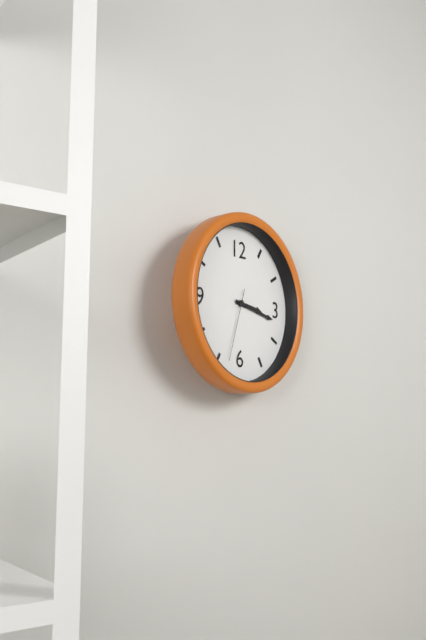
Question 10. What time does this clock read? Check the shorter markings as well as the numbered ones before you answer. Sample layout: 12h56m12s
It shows 3h17m33s
